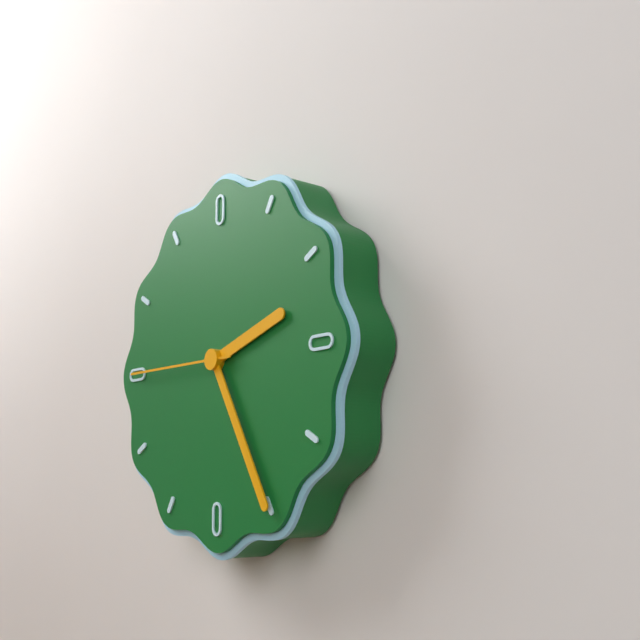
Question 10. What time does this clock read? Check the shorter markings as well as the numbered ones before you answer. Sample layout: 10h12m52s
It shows 2h25m45s
